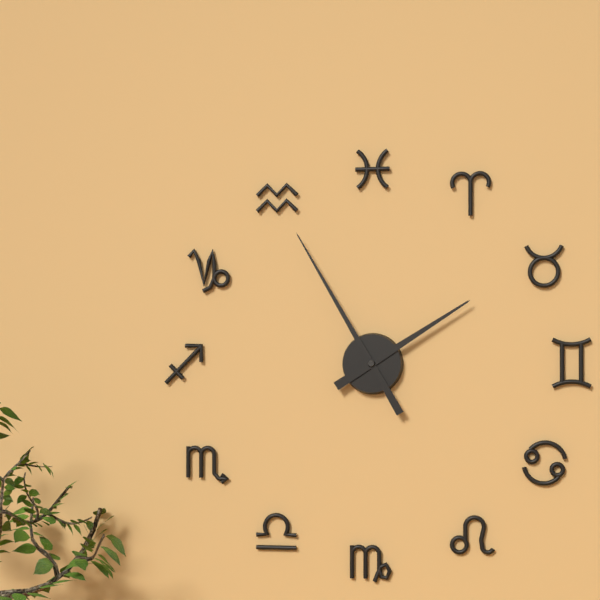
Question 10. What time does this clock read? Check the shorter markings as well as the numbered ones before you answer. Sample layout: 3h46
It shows 1h55
